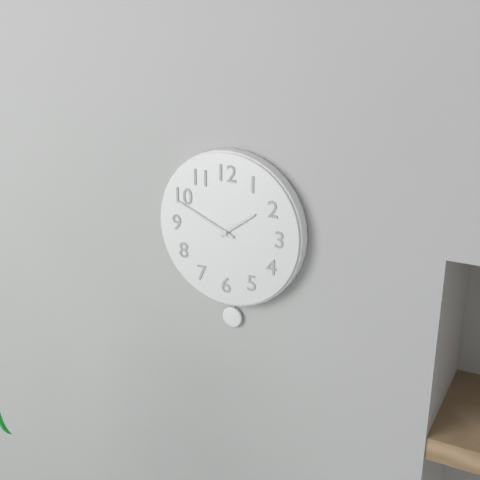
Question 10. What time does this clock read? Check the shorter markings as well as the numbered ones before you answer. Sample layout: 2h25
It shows 1h49
